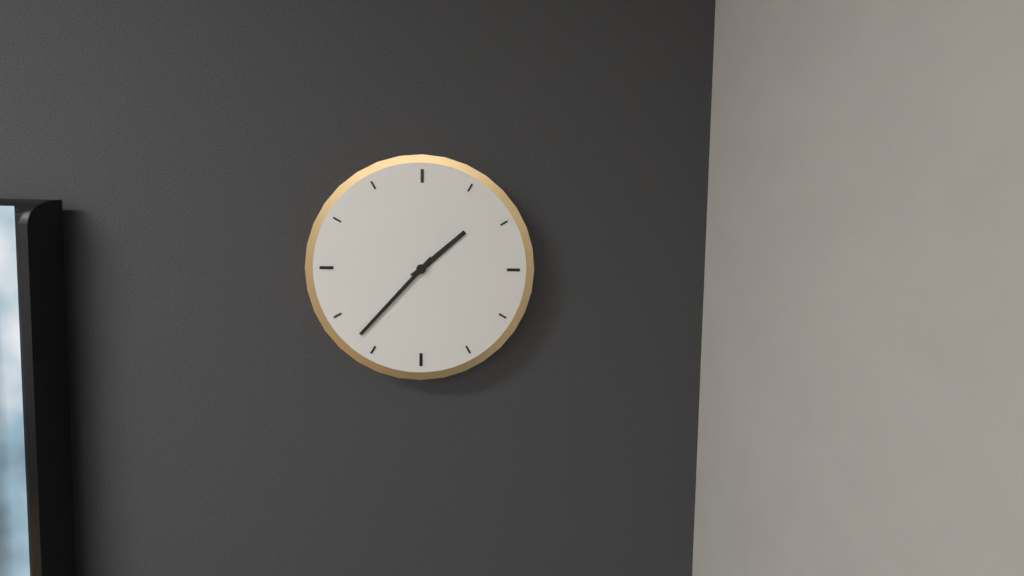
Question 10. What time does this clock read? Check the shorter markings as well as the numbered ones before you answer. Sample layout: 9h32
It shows 1h37
